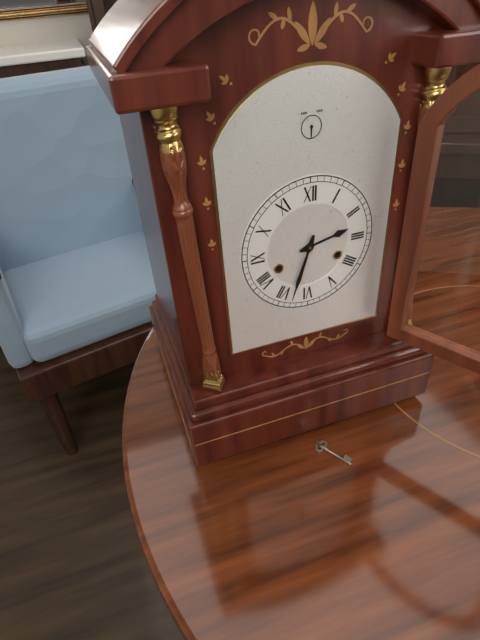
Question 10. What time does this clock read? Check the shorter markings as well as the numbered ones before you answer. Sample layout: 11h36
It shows 2h33
